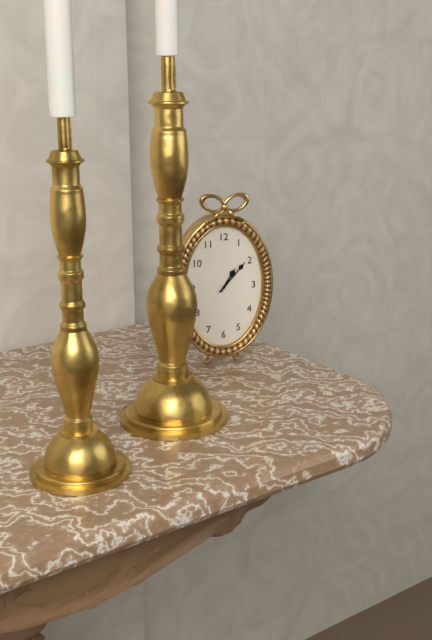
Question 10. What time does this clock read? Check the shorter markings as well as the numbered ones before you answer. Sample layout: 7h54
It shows 1h07
